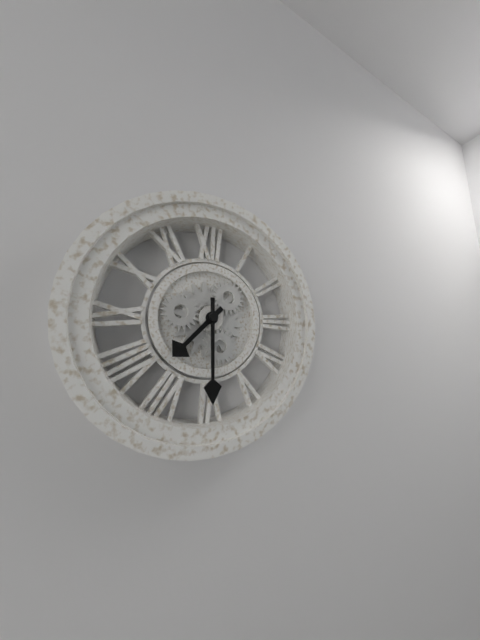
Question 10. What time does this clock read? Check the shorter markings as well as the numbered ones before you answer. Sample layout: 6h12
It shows 7h30
